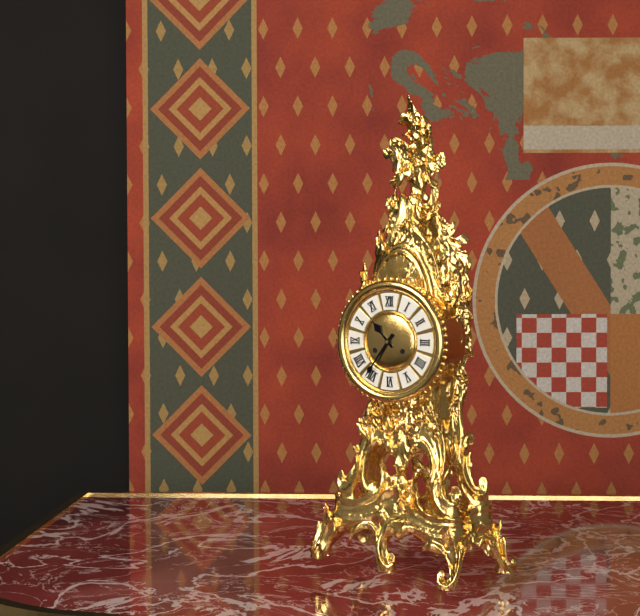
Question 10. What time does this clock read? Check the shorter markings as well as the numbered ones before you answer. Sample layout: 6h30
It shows 10h36
